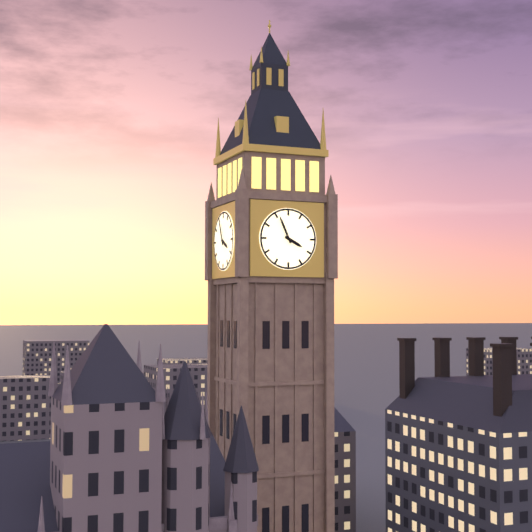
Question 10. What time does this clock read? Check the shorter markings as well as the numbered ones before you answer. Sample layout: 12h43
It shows 3h56
